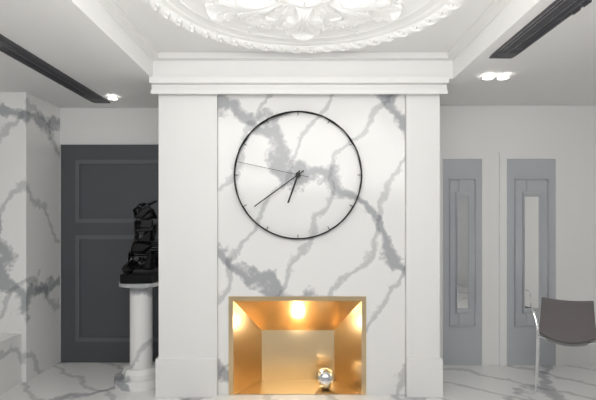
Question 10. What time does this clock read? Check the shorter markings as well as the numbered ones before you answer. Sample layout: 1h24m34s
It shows 6h39m47s
